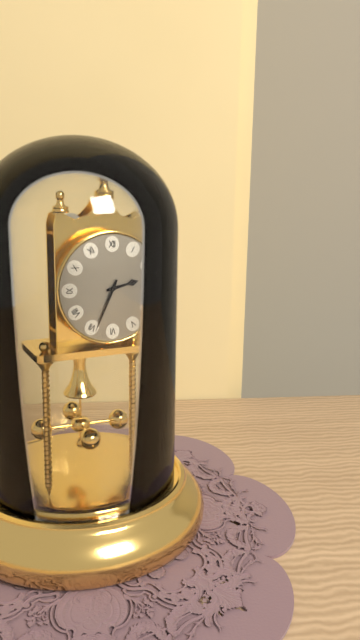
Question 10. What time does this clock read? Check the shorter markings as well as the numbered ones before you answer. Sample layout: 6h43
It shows 2h34
